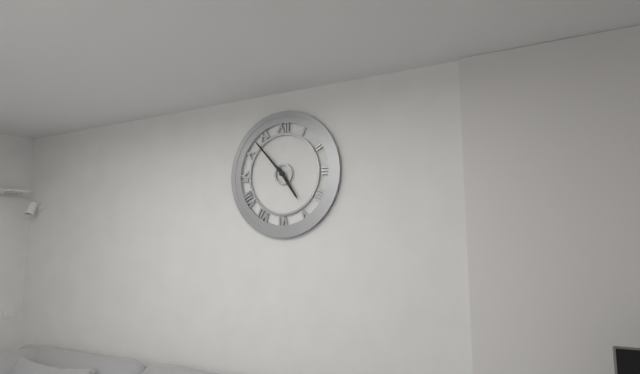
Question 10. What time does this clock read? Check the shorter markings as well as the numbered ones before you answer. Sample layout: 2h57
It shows 4h53
